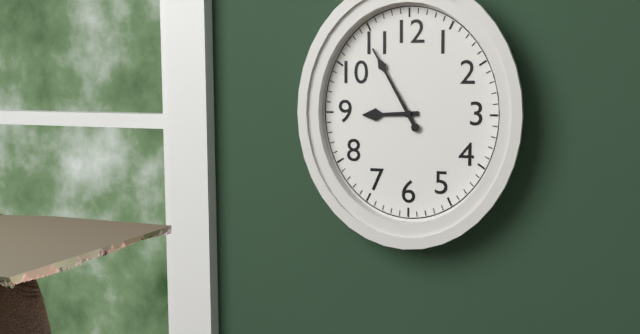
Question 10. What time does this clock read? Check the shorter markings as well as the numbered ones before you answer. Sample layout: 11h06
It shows 8h55
